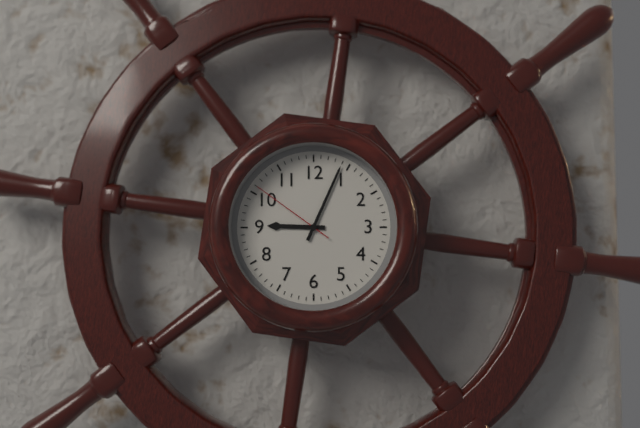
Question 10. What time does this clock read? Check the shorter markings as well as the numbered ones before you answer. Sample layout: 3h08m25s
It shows 9h04m51s
